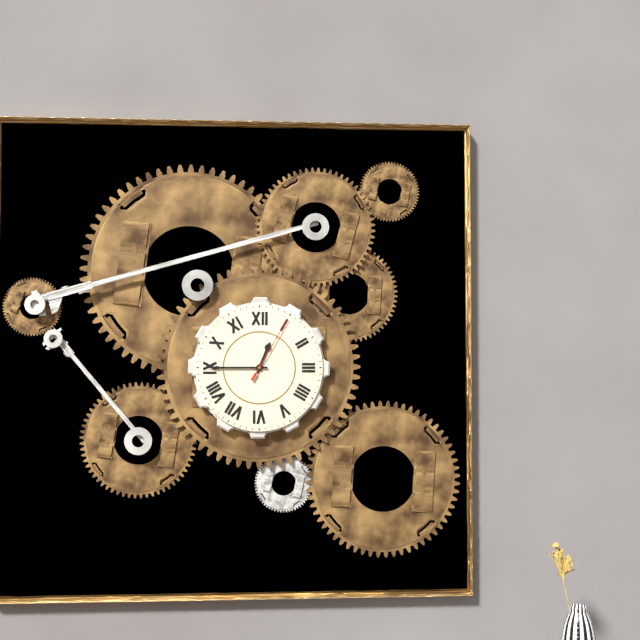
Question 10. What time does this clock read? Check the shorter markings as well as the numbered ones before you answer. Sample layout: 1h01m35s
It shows 12h45m05s
